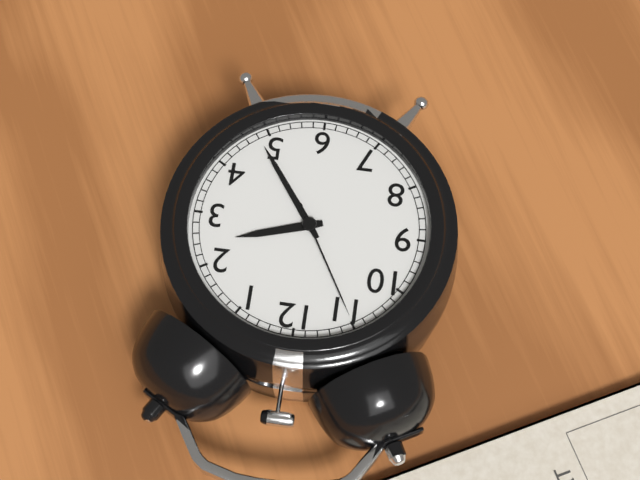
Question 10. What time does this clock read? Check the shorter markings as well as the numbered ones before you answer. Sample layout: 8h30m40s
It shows 2h24m55s
